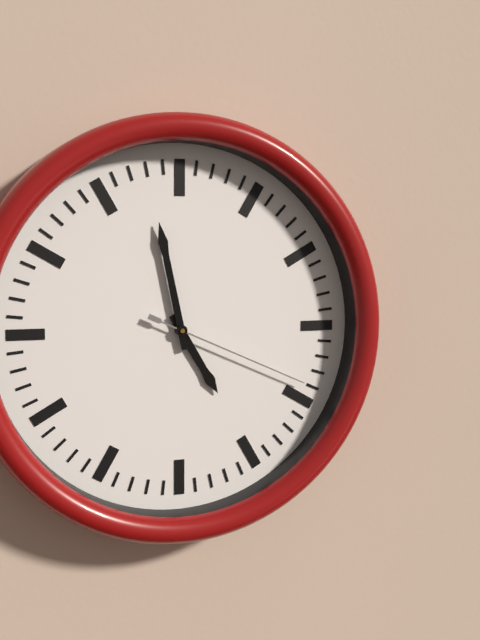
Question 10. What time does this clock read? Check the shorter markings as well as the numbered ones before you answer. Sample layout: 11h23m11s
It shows 4h58m19s
